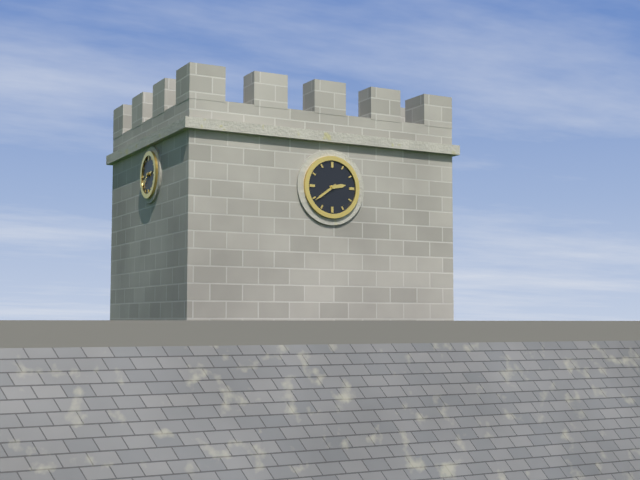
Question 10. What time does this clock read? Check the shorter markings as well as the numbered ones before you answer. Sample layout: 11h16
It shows 2h39
